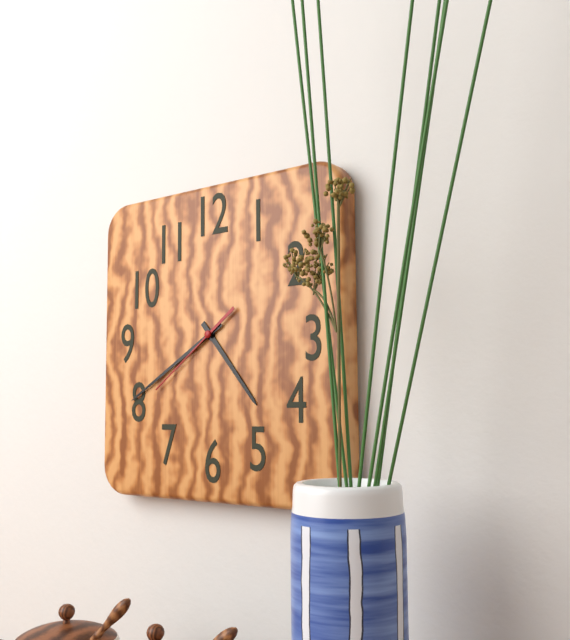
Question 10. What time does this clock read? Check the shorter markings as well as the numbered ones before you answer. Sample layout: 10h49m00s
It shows 4h40m39s
